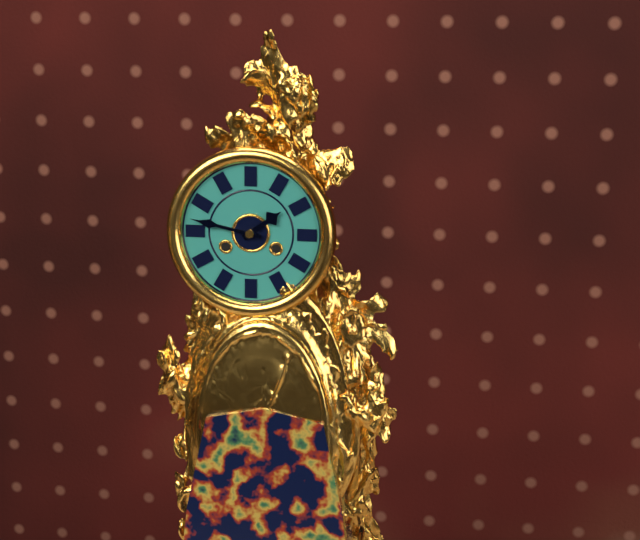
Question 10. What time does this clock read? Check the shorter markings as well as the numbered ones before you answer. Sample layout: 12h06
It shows 1h47
